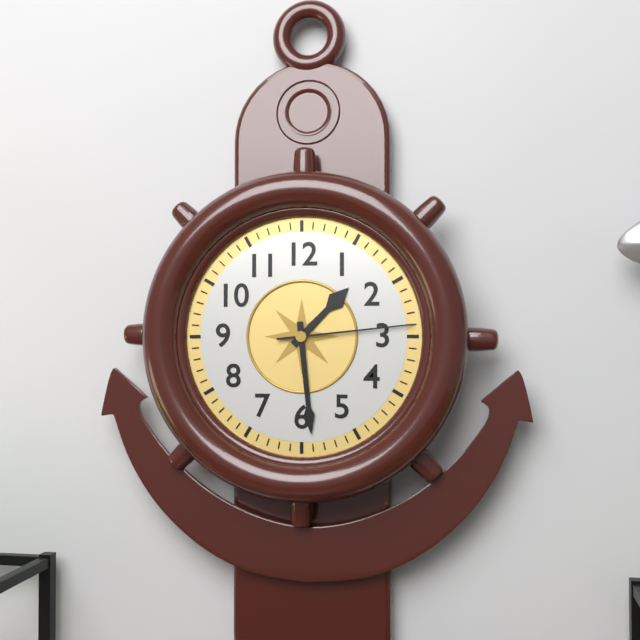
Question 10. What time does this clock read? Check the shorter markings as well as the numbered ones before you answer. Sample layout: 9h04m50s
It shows 1h29m14s
